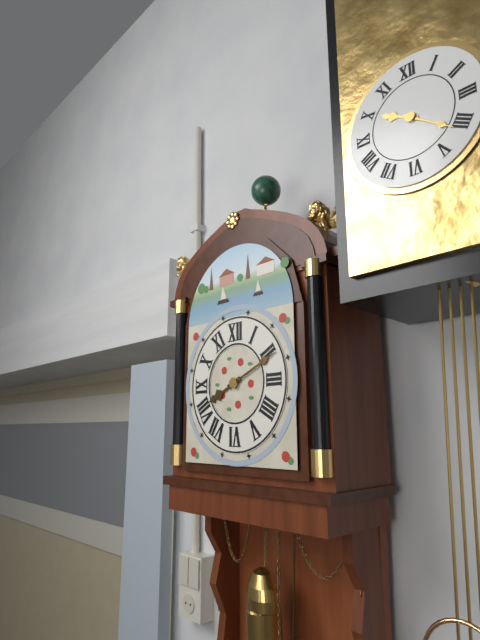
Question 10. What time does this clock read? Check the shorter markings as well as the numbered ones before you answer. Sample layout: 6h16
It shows 8h11
